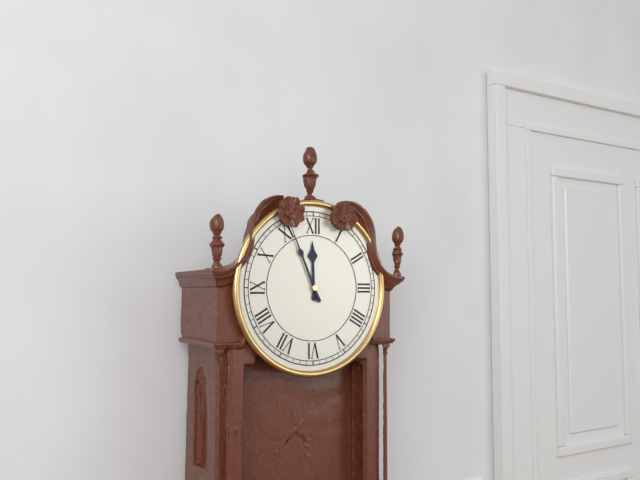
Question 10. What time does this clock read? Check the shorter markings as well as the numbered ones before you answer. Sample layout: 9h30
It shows 11h56
